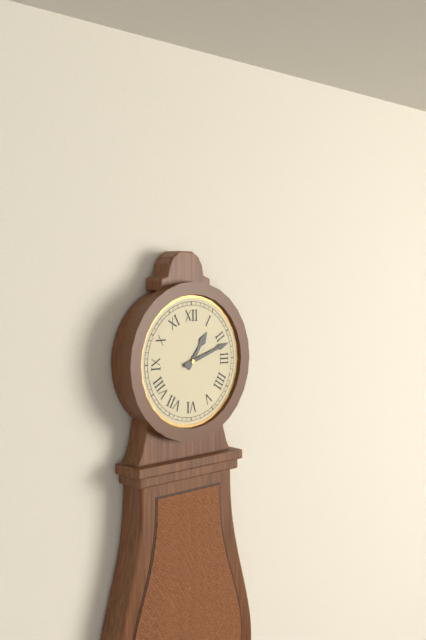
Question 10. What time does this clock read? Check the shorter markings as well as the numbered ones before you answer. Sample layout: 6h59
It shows 1h12
